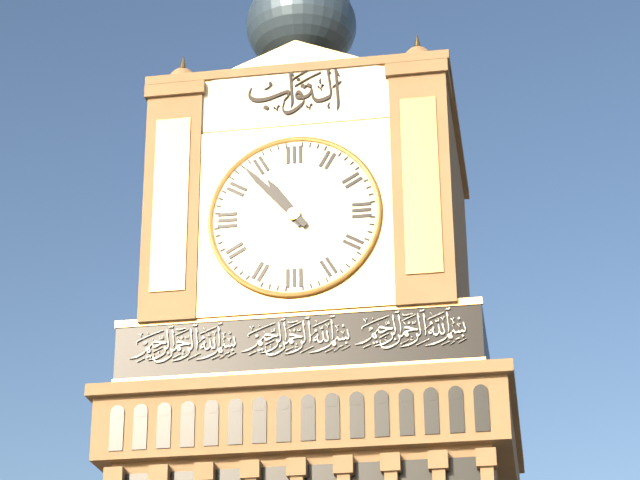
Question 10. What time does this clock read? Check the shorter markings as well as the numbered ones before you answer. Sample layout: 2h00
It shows 10h53
